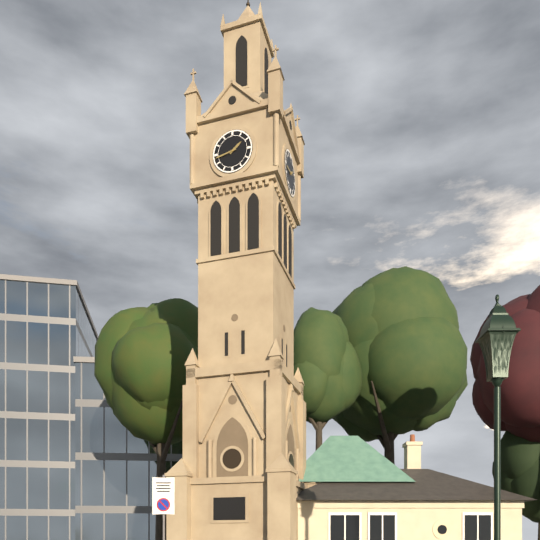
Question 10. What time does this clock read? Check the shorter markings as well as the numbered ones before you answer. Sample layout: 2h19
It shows 1h43
